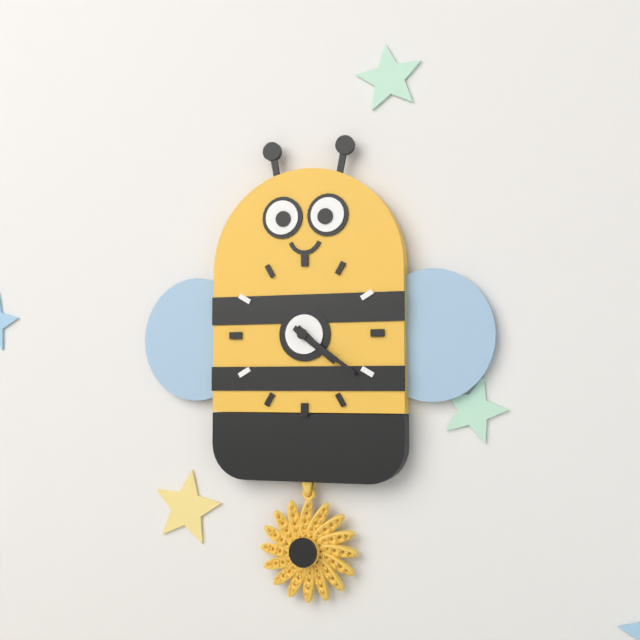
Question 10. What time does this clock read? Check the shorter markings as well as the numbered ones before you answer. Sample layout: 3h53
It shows 4h21
